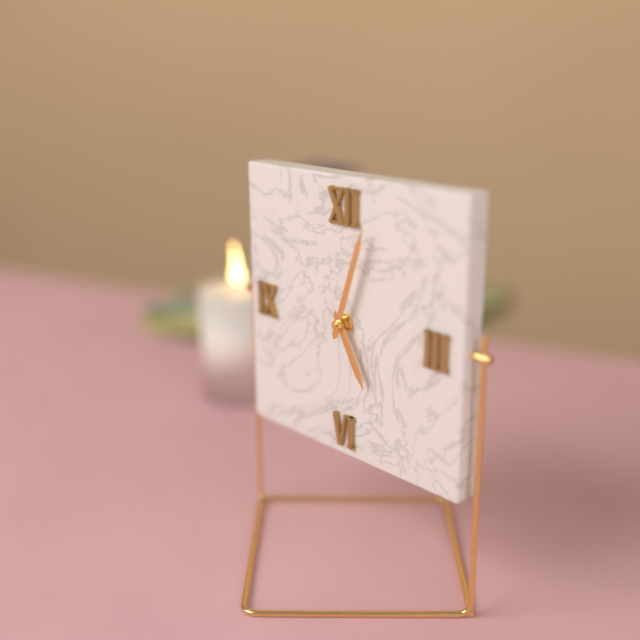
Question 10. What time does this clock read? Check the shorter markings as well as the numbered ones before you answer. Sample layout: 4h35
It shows 5h03
